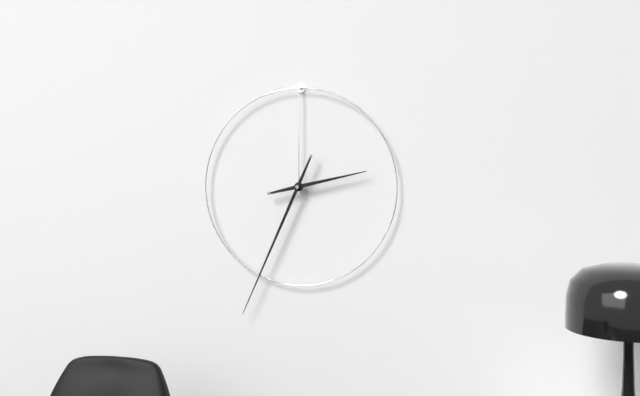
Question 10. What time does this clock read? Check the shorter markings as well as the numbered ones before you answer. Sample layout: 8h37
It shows 2h34
